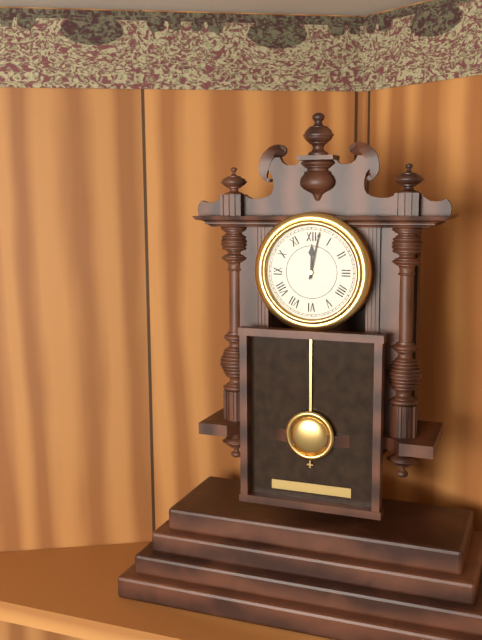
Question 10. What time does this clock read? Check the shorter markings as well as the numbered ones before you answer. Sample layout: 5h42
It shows 12h02
